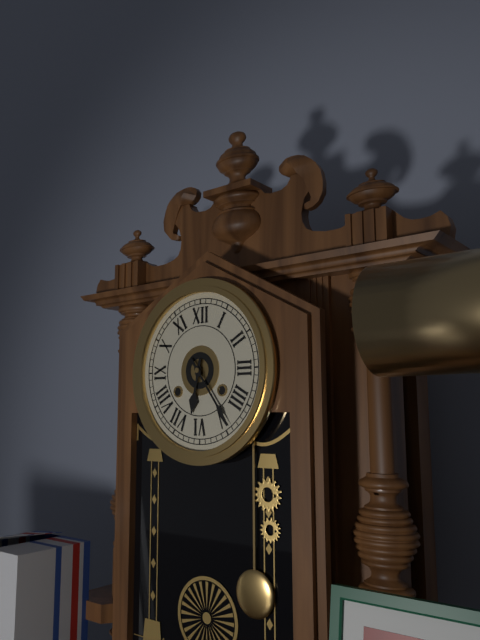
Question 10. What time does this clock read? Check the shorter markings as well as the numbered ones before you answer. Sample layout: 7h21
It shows 6h24
